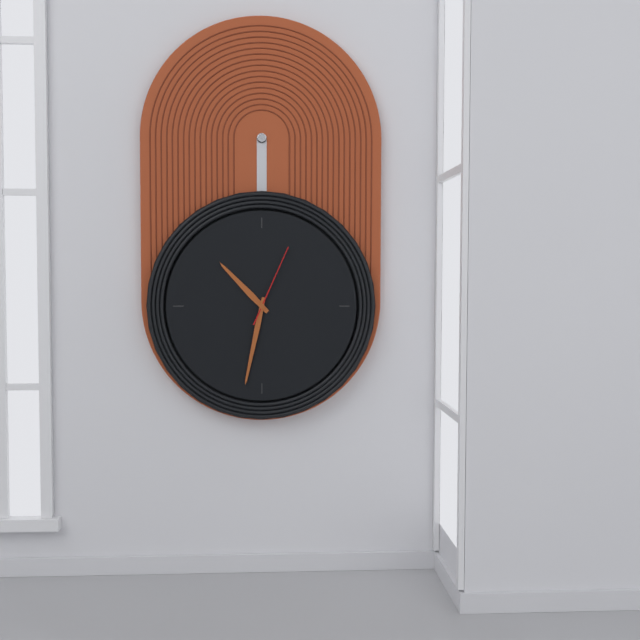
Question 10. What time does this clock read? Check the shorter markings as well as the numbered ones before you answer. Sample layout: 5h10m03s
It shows 10h32m04s
